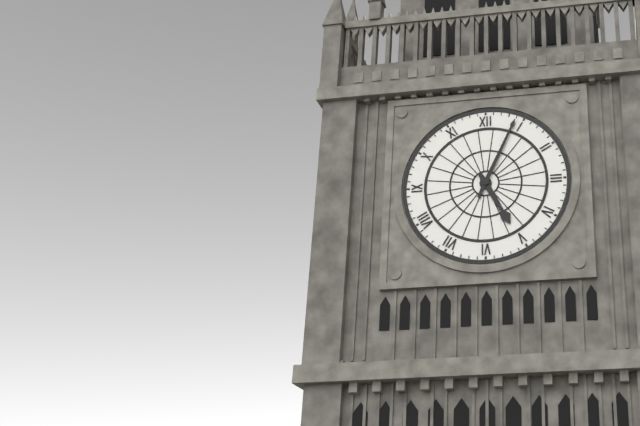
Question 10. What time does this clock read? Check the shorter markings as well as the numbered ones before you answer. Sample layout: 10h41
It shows 5h04
